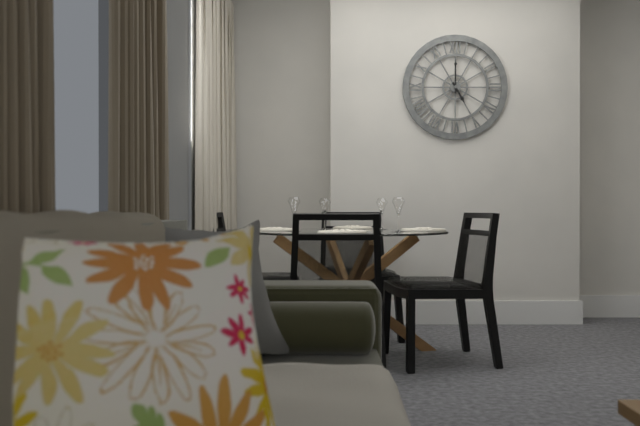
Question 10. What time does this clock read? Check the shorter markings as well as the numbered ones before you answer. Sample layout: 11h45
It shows 5h00
